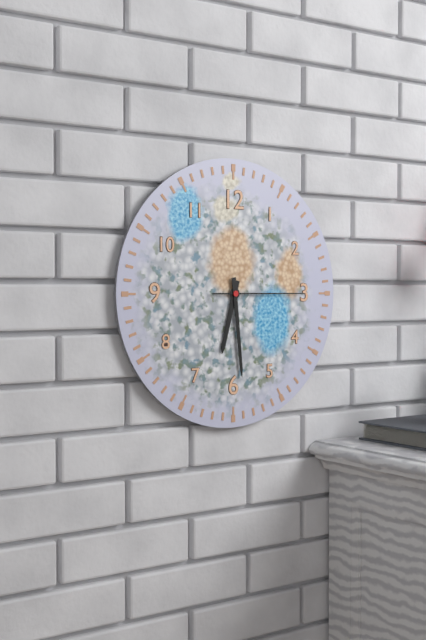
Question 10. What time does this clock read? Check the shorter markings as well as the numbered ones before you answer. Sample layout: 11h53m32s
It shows 6h29m15s
